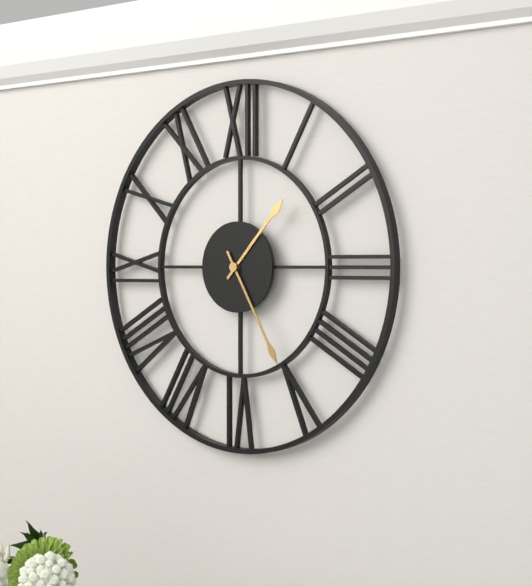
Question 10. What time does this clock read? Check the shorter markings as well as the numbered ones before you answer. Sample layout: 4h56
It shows 1h25
